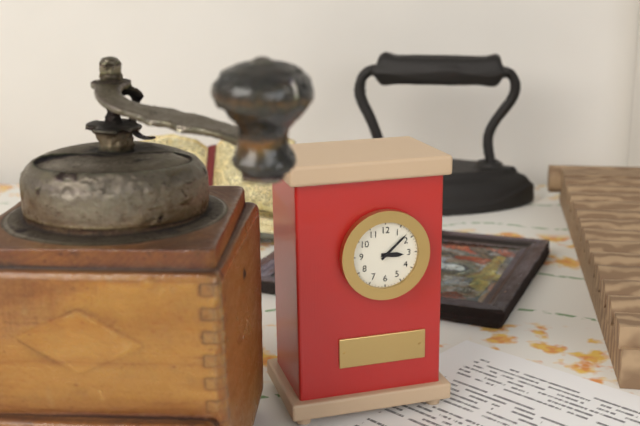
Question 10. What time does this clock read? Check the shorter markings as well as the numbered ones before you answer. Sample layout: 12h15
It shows 3h08
